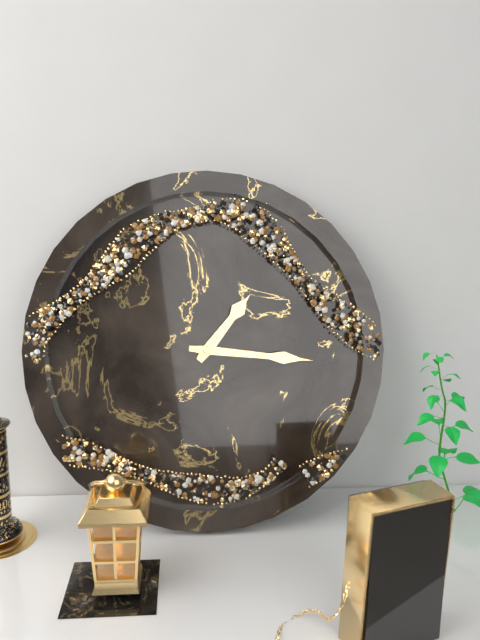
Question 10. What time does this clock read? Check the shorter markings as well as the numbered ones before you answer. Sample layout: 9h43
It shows 1h16
